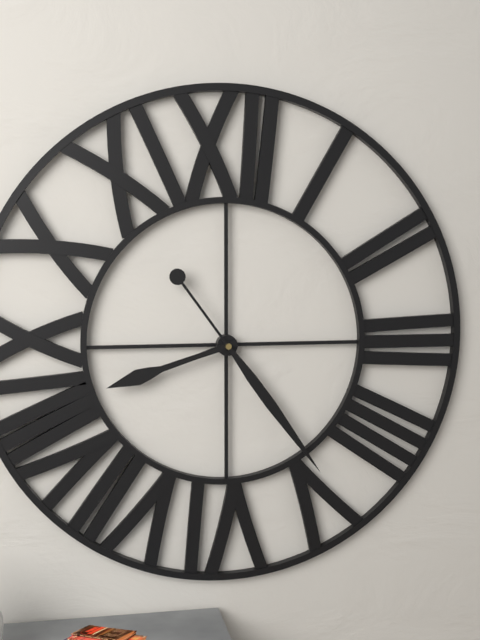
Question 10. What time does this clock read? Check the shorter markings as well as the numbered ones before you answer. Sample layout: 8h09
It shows 8h24
